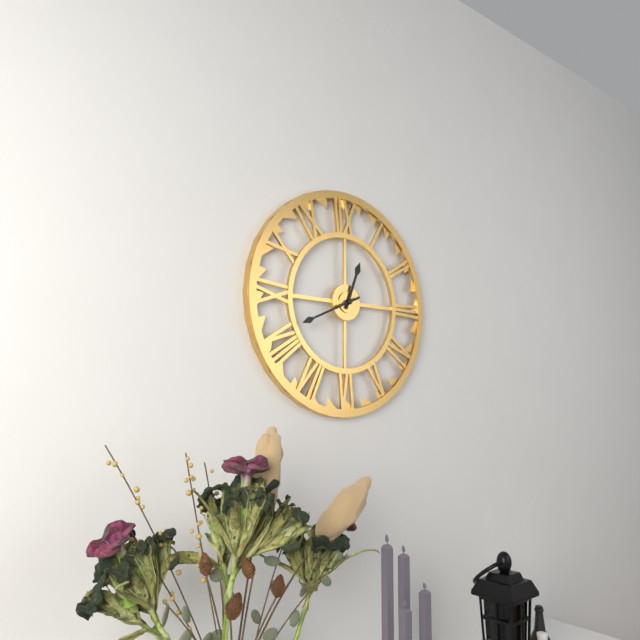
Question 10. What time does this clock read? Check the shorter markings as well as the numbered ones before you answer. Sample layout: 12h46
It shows 12h41
